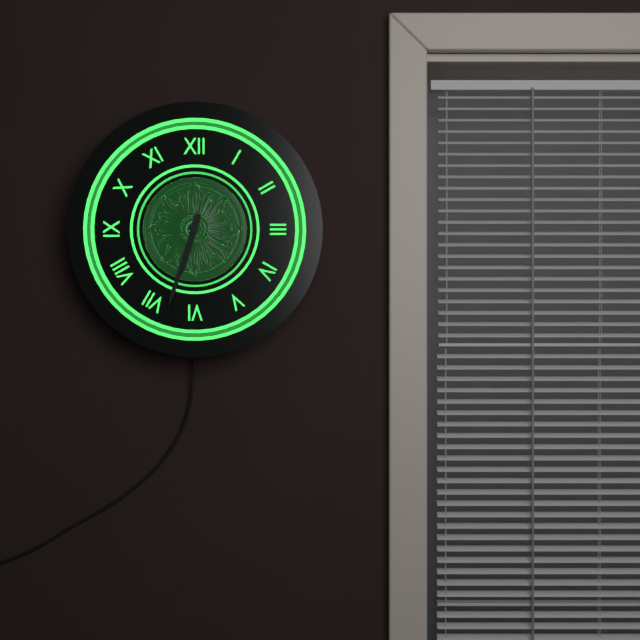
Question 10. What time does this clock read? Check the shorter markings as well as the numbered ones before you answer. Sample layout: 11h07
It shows 6h33
